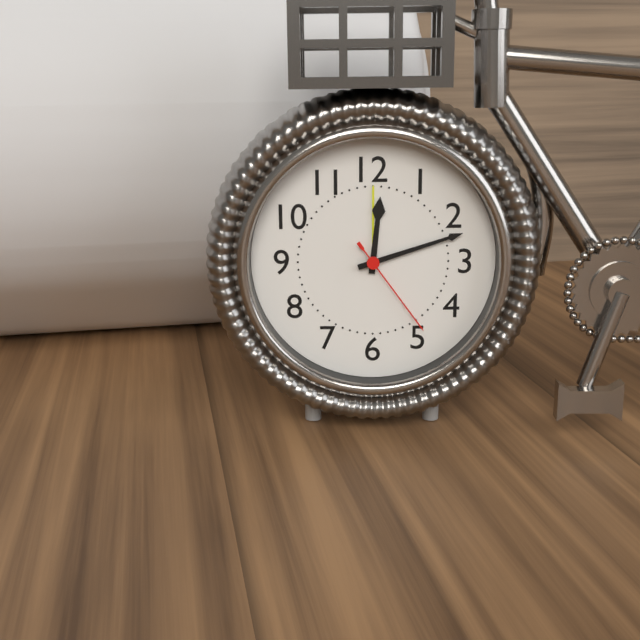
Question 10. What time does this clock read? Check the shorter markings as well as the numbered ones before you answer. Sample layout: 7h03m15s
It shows 12h12m24s
